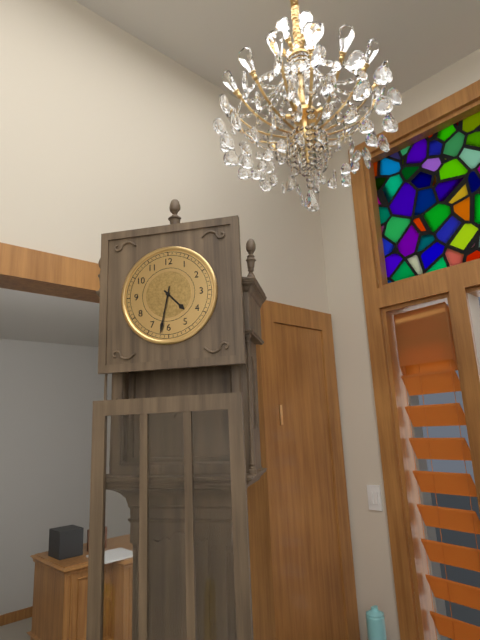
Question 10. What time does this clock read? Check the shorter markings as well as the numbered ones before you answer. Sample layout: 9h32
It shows 4h32
